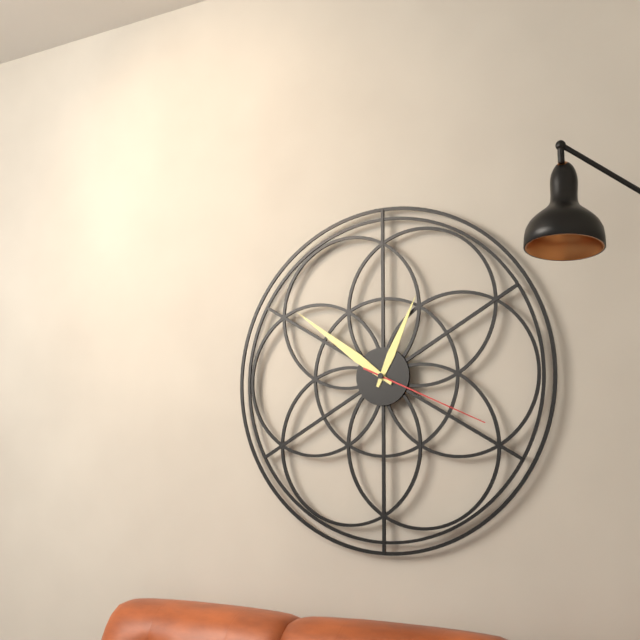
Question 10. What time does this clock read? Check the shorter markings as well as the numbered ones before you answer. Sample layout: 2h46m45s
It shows 12h51m19s
